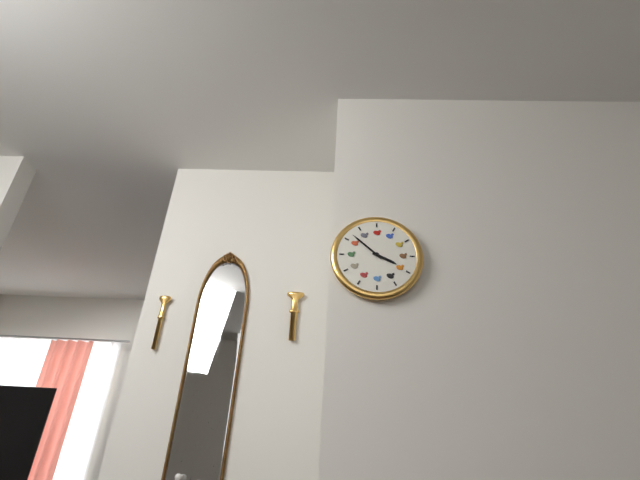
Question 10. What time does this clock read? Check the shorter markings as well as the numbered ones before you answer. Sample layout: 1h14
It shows 3h52
